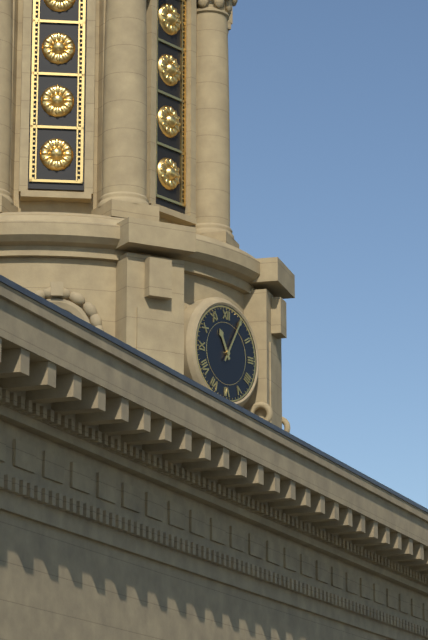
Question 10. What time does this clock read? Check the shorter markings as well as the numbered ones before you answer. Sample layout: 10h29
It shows 11h05
